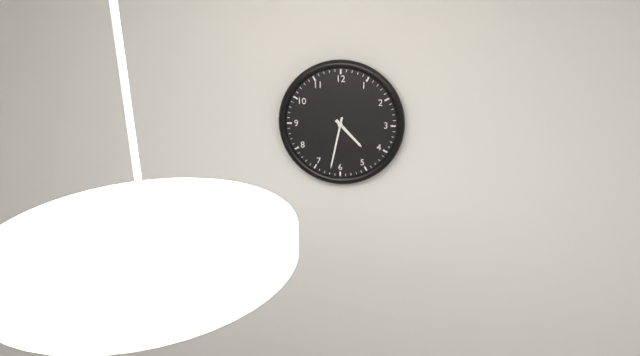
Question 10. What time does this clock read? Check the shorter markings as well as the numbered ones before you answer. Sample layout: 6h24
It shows 4h32
